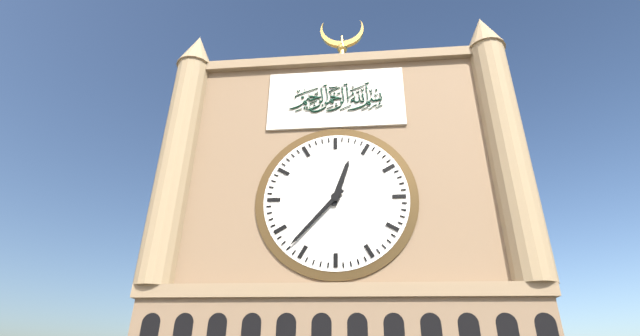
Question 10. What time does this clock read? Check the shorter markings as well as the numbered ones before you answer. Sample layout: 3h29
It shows 12h37
